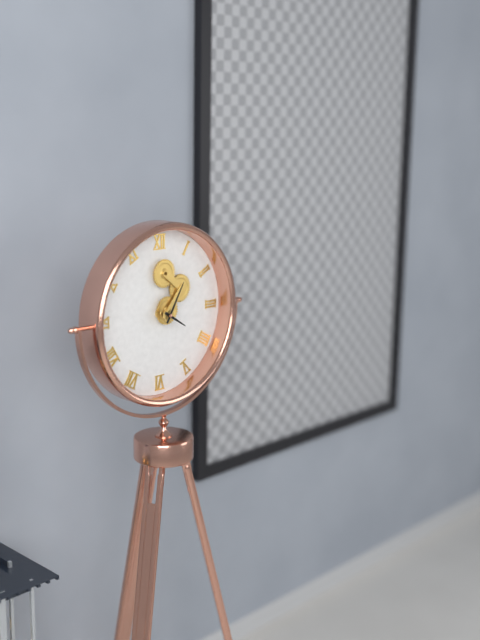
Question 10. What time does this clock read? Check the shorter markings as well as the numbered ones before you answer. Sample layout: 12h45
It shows 4h05
